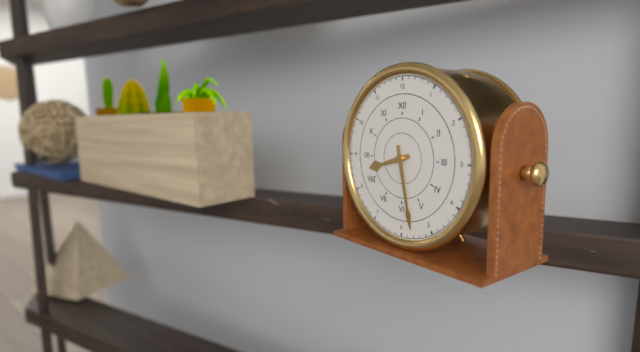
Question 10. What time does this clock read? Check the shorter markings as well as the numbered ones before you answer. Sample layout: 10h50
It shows 8h28
